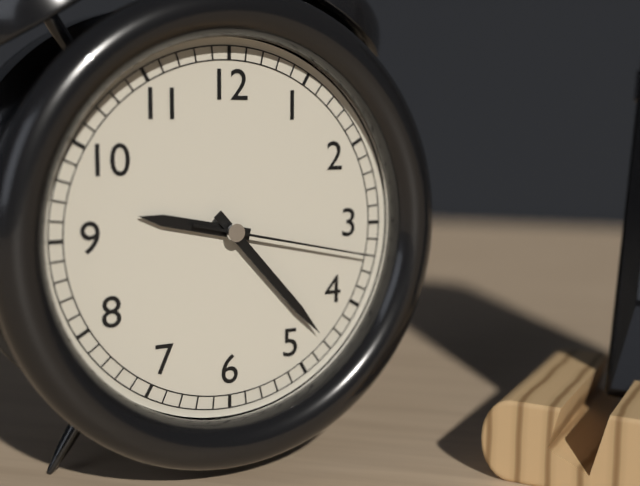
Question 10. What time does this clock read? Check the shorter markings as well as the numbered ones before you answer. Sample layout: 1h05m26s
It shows 9h23m17s
